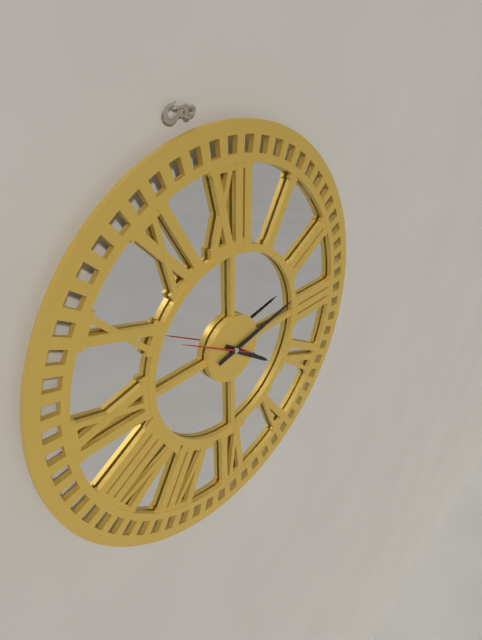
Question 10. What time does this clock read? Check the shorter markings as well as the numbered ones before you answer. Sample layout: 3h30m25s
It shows 4h13m50s
